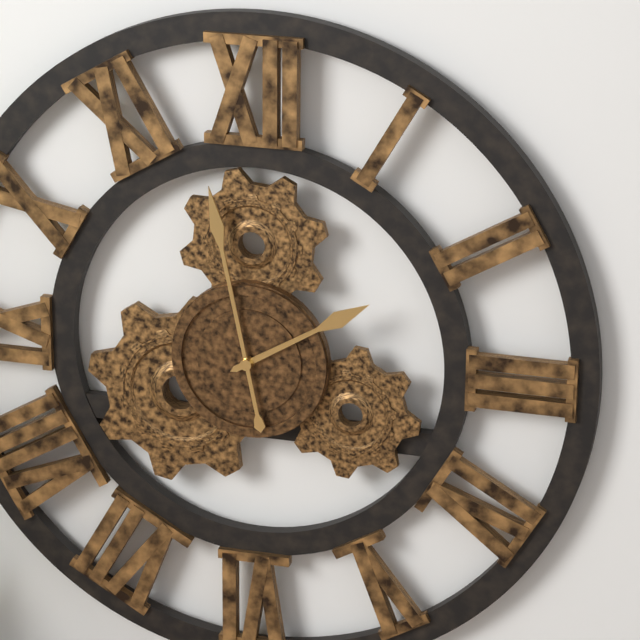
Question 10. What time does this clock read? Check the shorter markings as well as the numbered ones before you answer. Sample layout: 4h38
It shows 1h58
